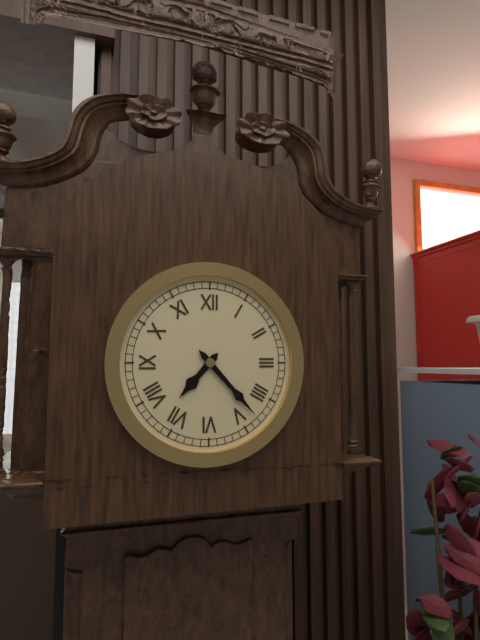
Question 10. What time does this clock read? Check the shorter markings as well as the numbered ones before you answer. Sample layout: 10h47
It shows 7h23
